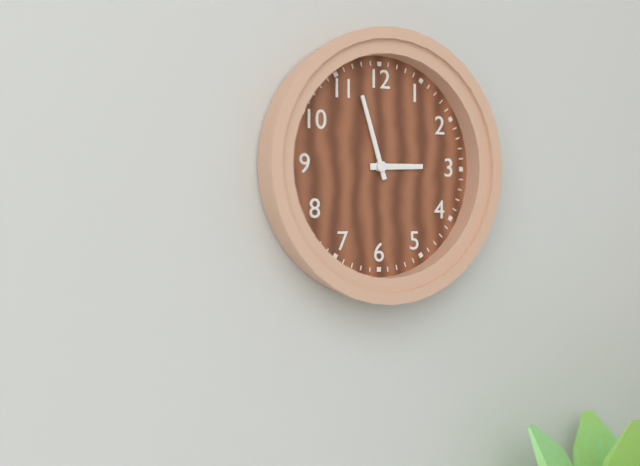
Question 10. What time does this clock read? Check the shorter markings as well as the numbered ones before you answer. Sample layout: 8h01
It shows 2h57
